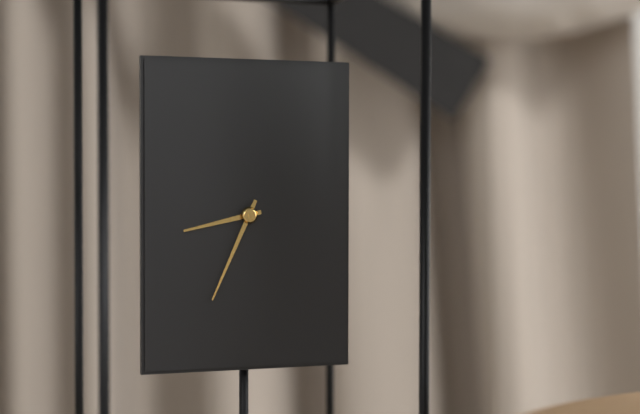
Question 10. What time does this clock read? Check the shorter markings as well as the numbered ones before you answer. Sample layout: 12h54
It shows 8h34
